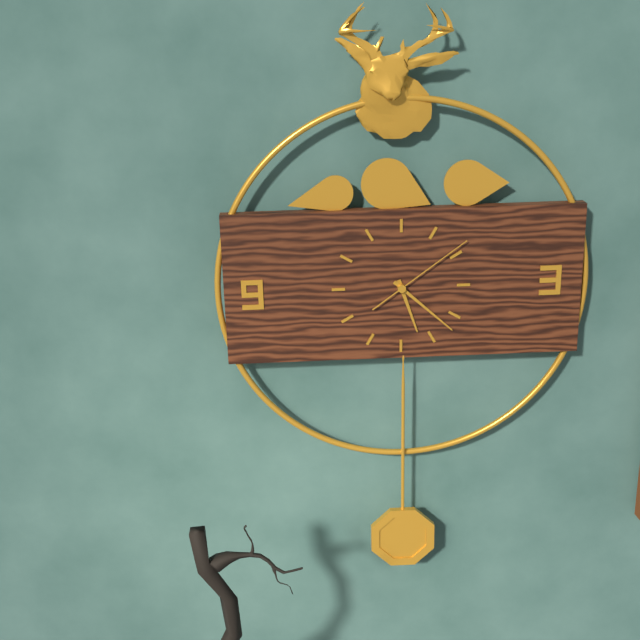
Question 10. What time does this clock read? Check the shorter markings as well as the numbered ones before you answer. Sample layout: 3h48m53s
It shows 5h22m09s
